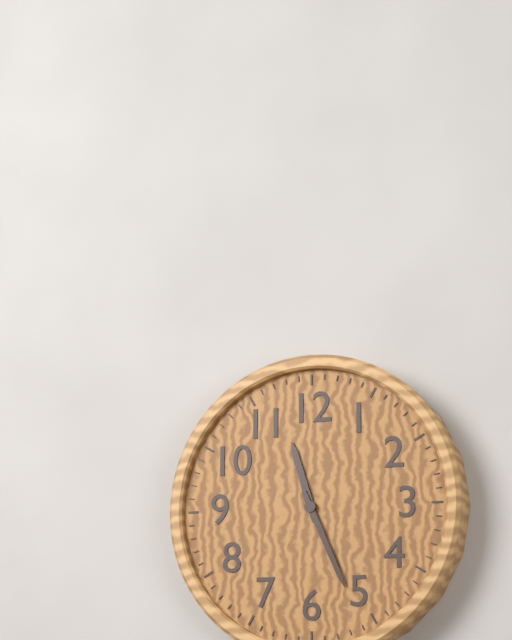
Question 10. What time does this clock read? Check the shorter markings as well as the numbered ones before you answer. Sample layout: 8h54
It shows 11h26
